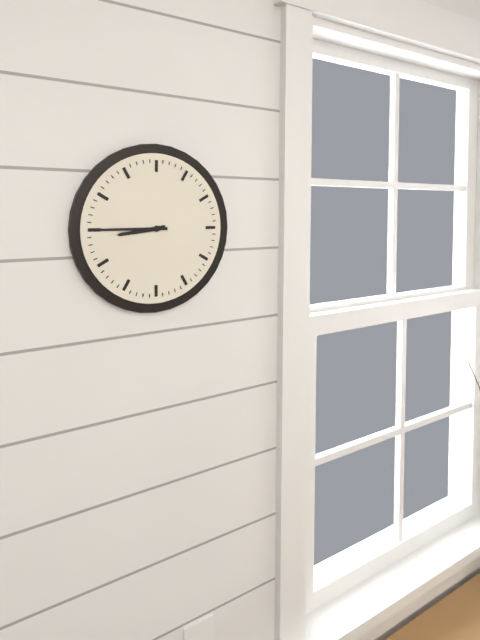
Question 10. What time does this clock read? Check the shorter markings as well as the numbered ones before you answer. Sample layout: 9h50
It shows 8h45
